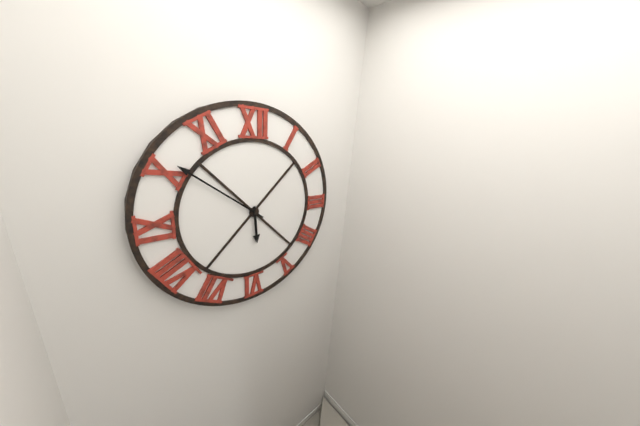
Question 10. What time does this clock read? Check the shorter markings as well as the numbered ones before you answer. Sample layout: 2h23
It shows 5h51
